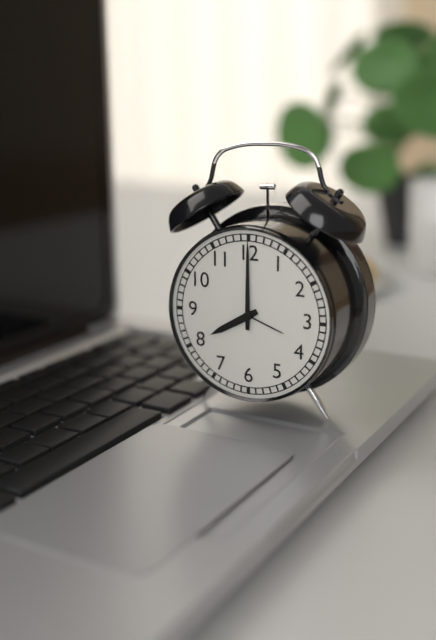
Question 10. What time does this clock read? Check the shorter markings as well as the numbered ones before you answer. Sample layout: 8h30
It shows 8h00
